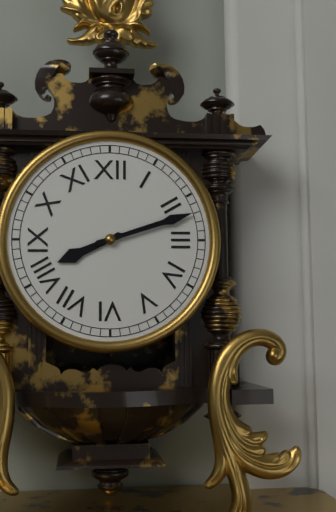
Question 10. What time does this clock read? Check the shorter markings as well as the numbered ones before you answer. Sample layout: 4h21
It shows 8h12
